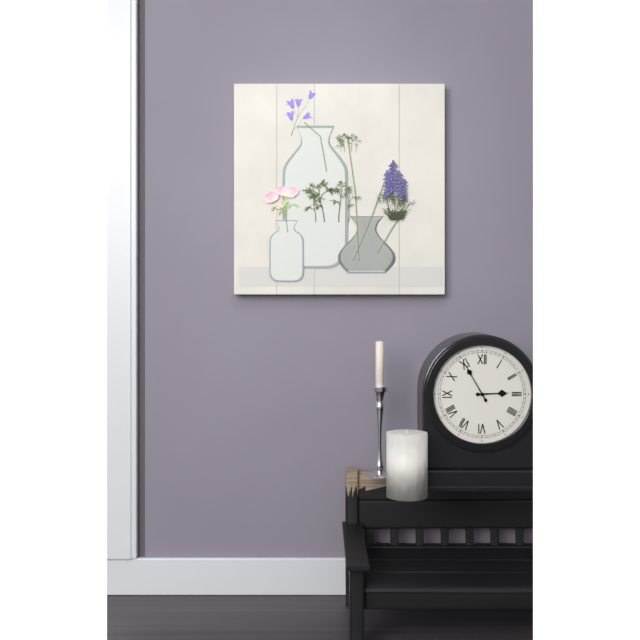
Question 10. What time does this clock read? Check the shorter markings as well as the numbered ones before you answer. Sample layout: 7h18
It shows 2h55
